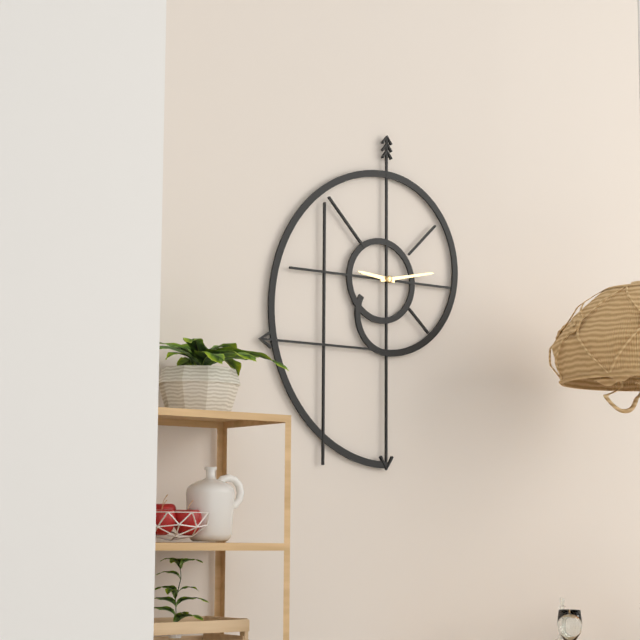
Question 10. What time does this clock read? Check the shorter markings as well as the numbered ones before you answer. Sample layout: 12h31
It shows 9h13
